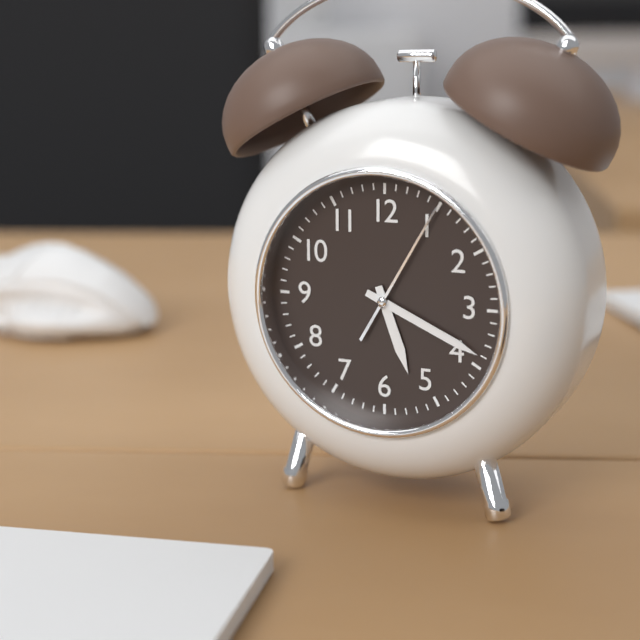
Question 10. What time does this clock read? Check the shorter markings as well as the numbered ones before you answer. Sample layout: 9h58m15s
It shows 5h19m05s
